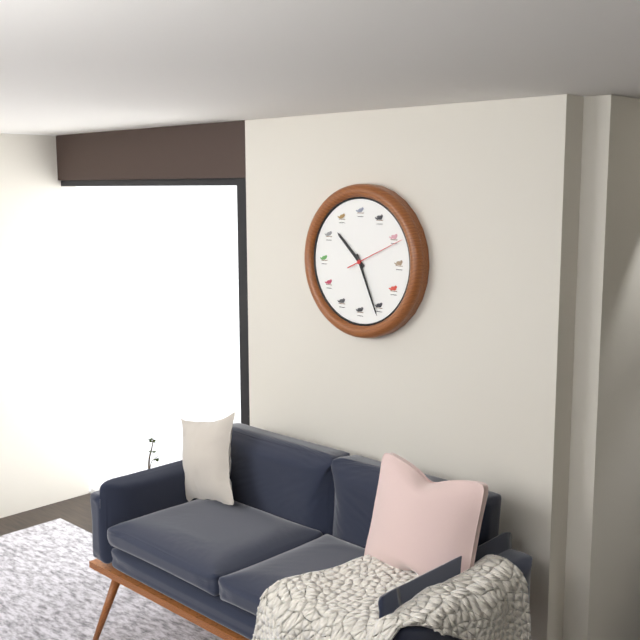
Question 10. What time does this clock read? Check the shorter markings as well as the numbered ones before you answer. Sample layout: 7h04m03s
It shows 10h26m11s
